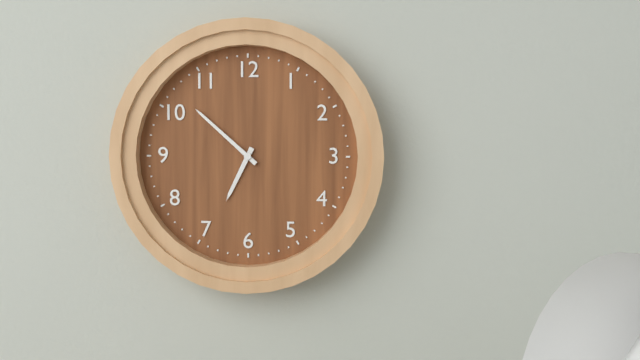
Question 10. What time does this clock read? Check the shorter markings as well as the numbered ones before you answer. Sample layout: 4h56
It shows 6h52
